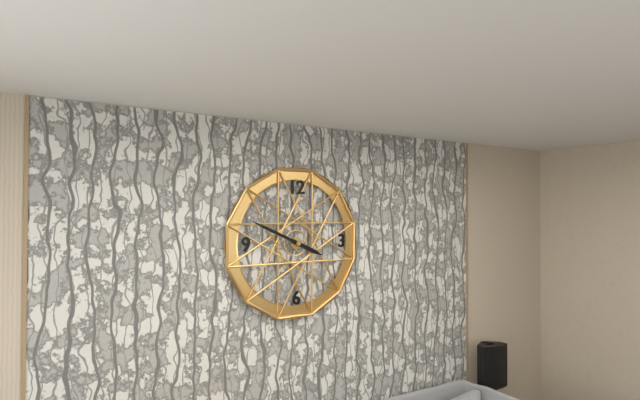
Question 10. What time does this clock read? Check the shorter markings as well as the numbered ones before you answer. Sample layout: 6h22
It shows 3h49
